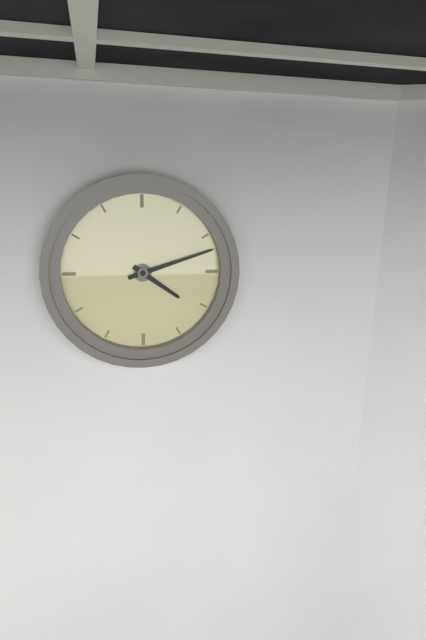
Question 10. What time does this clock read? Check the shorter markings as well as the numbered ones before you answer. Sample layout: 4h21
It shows 4h12
